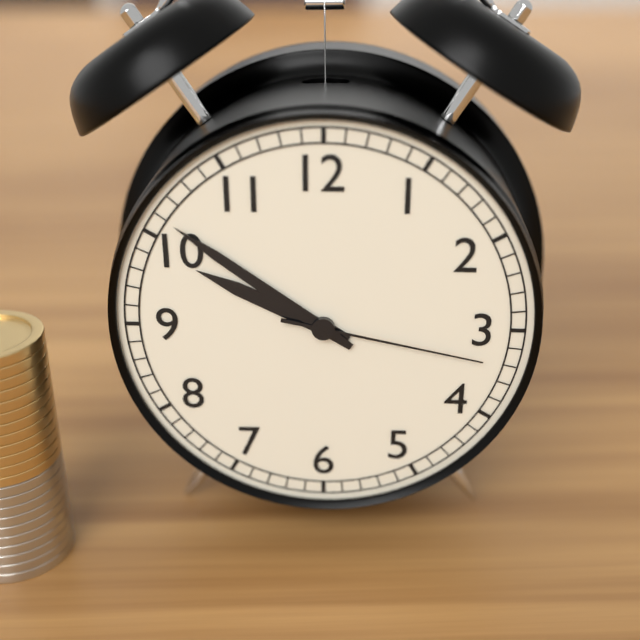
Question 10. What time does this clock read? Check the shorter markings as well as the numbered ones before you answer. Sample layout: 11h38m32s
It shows 9h51m17s
